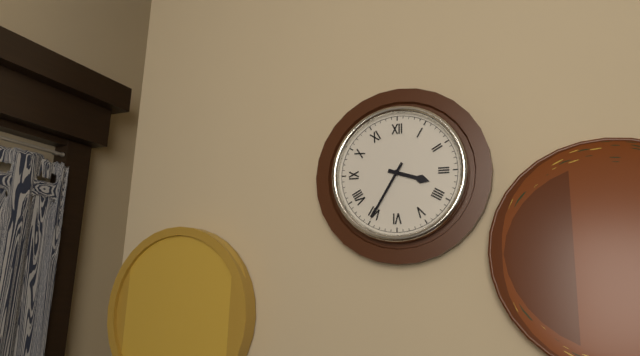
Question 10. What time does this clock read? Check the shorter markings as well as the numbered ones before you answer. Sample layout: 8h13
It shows 3h35
